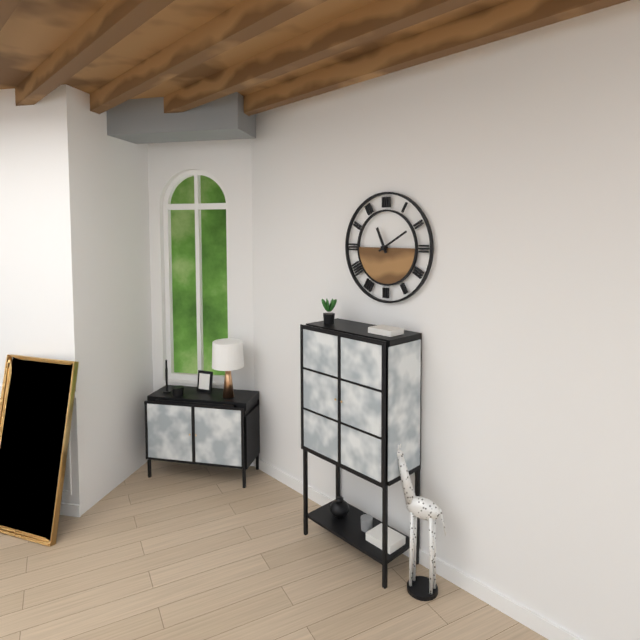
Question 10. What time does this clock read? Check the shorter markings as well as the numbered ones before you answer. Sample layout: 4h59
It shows 11h10
